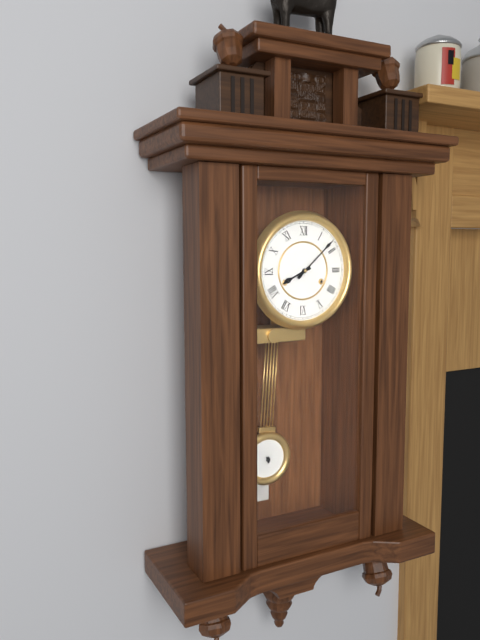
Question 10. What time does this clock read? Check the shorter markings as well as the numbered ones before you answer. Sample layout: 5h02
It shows 8h08
